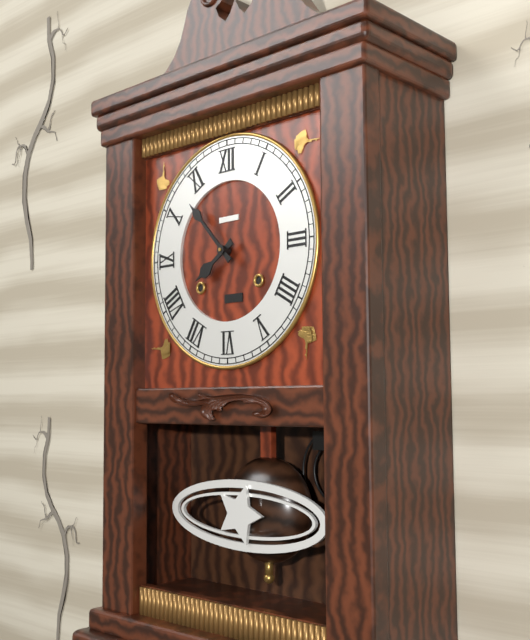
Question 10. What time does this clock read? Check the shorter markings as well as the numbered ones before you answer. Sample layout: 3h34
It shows 7h53
